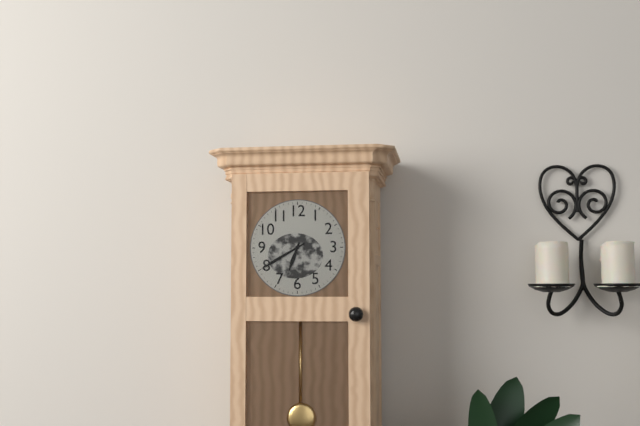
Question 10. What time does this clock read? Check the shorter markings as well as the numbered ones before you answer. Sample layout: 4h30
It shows 6h40
